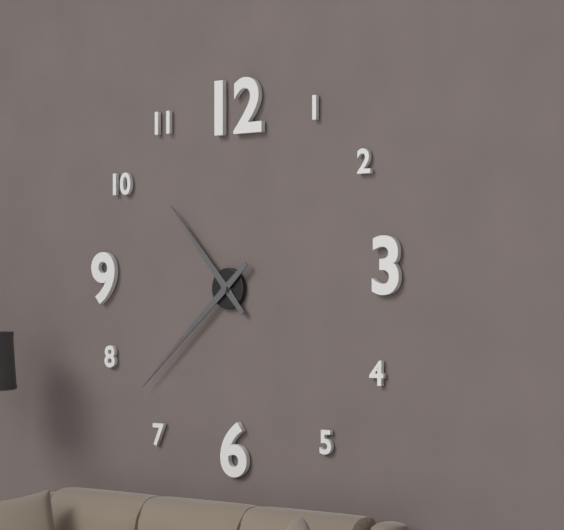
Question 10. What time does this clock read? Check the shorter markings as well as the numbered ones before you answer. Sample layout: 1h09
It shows 10h38
